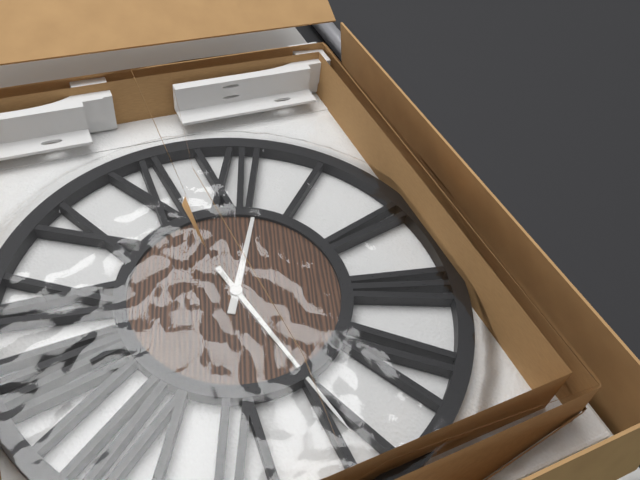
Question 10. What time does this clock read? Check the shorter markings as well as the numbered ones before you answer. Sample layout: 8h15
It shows 12h25
